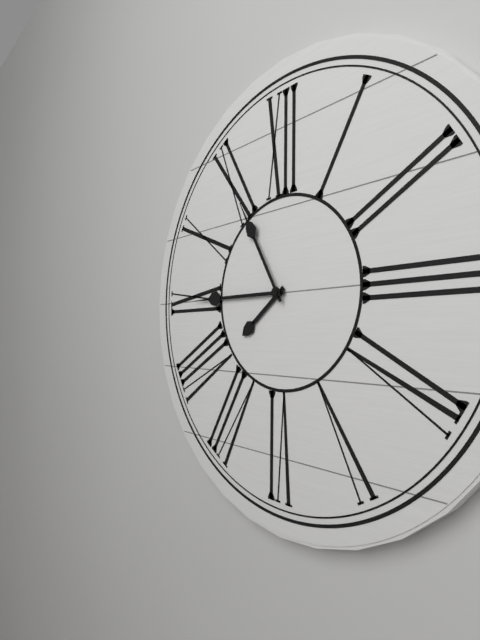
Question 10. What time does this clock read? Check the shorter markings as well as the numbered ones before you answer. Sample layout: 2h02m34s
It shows 7h45m55s
